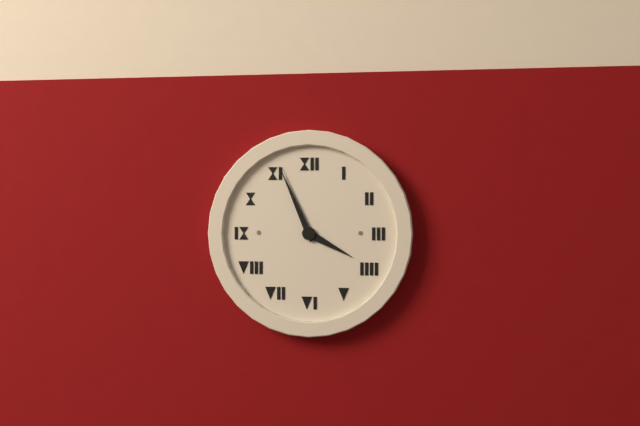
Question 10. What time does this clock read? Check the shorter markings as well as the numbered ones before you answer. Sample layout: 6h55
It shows 3h56
